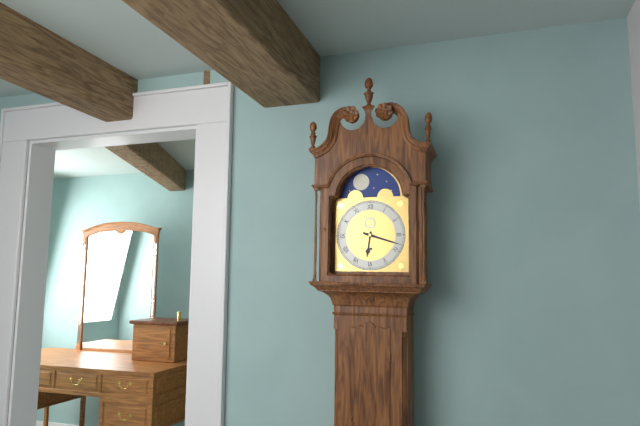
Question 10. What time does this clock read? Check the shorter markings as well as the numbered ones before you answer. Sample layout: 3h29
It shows 6h18
